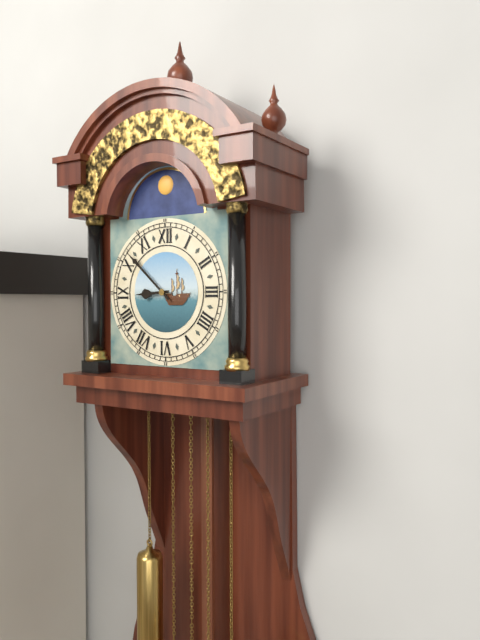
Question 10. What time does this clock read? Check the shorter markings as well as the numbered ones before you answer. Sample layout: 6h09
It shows 8h52
